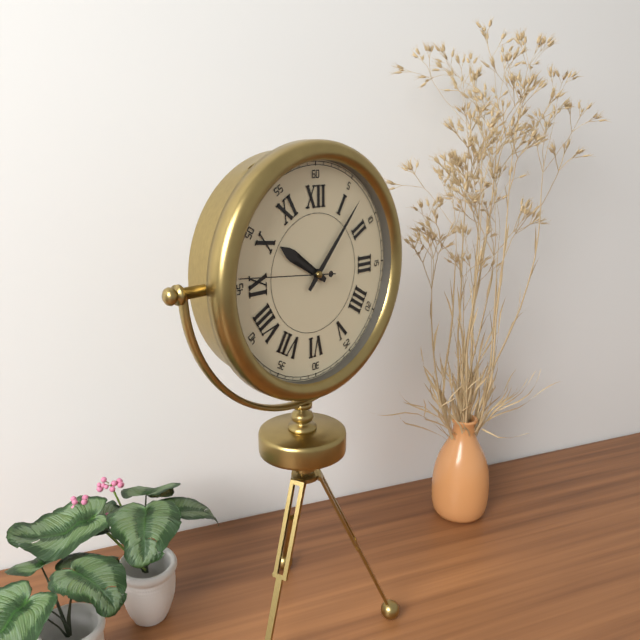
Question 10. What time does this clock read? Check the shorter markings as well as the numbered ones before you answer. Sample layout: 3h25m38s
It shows 10h07m46s
